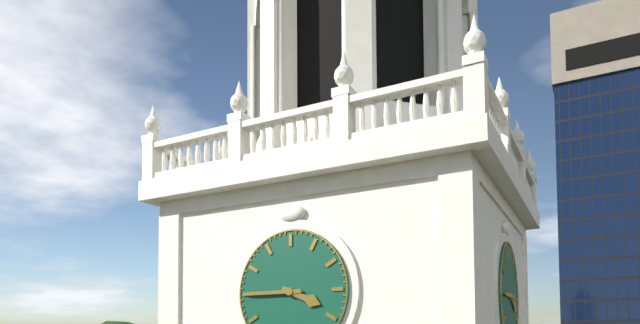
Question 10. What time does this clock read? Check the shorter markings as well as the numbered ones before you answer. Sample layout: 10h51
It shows 3h45
